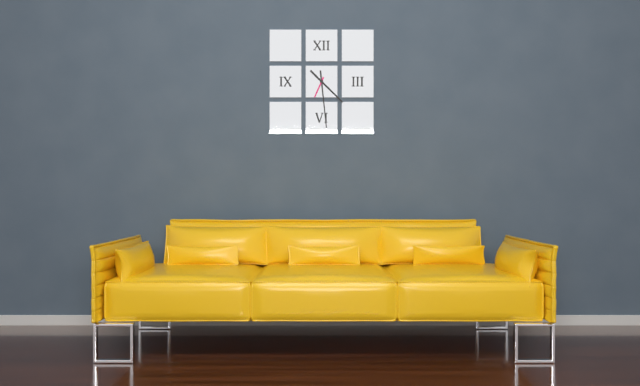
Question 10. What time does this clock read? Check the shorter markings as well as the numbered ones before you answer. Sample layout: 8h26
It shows 4h29
